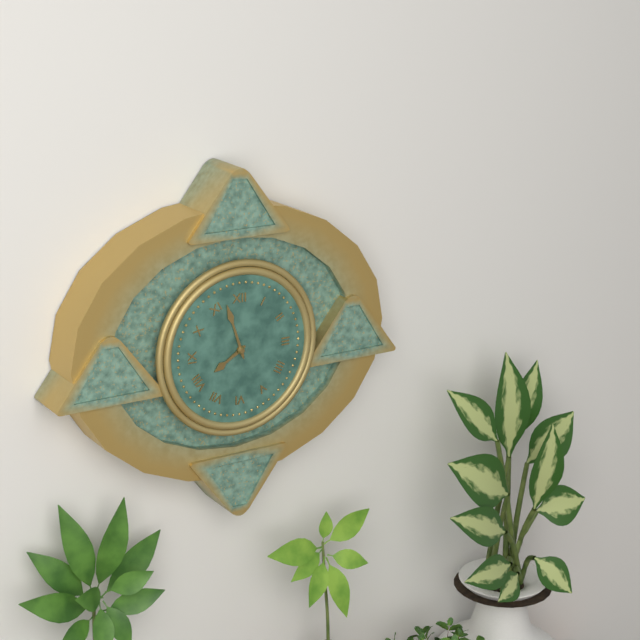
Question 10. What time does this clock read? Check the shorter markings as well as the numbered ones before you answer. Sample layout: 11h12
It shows 7h57
